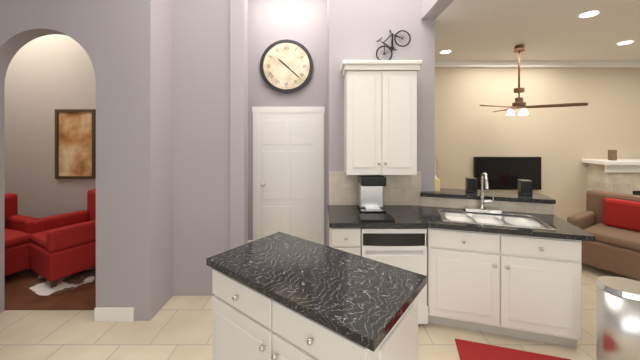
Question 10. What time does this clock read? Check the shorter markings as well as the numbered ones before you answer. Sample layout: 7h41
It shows 10h22
